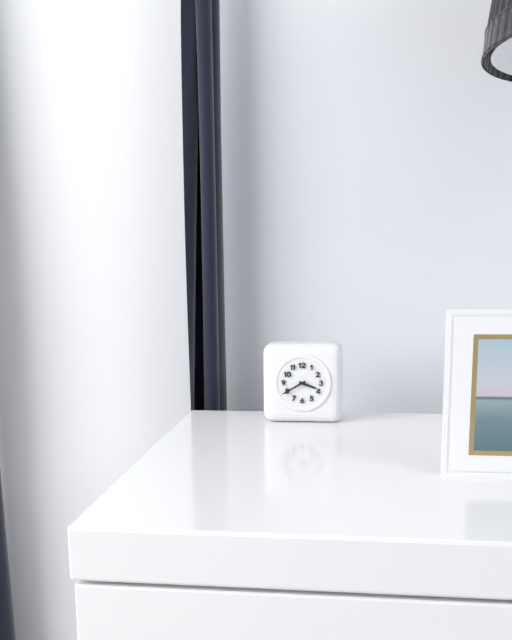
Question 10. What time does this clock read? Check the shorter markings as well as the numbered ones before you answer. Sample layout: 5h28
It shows 3h40
